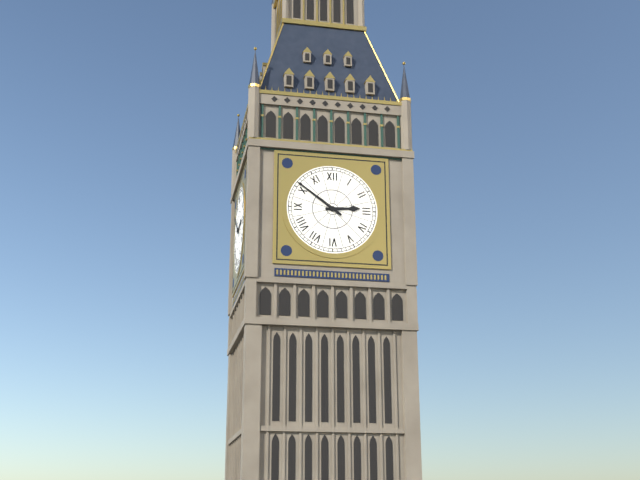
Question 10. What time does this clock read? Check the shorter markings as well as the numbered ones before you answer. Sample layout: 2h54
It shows 2h51
